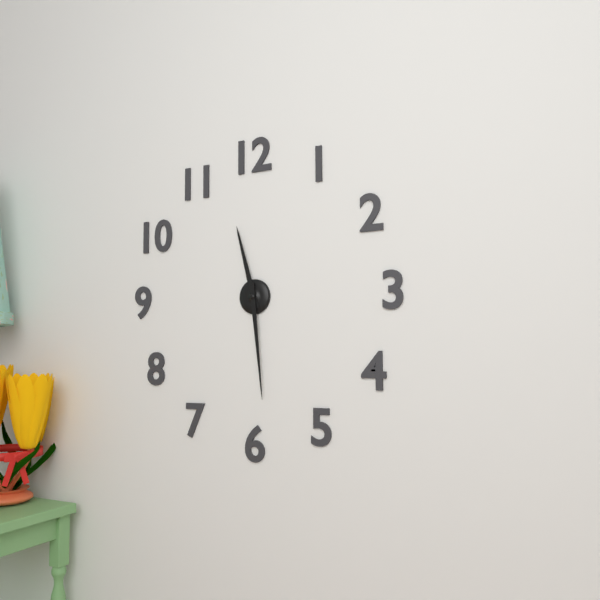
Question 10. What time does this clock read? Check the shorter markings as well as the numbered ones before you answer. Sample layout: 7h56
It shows 11h29
